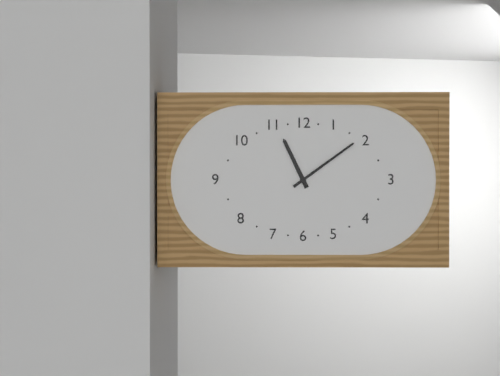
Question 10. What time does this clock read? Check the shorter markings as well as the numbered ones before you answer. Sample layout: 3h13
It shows 11h09
